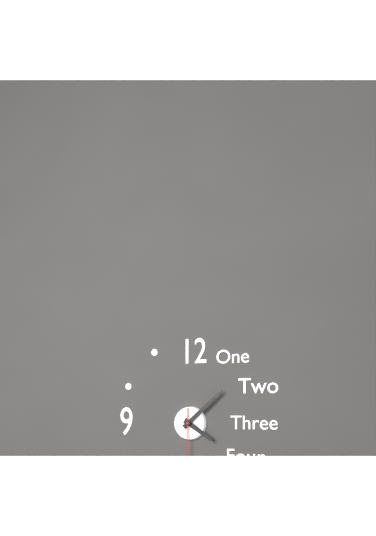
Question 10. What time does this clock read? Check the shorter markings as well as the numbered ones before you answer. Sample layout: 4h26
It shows 4h08
